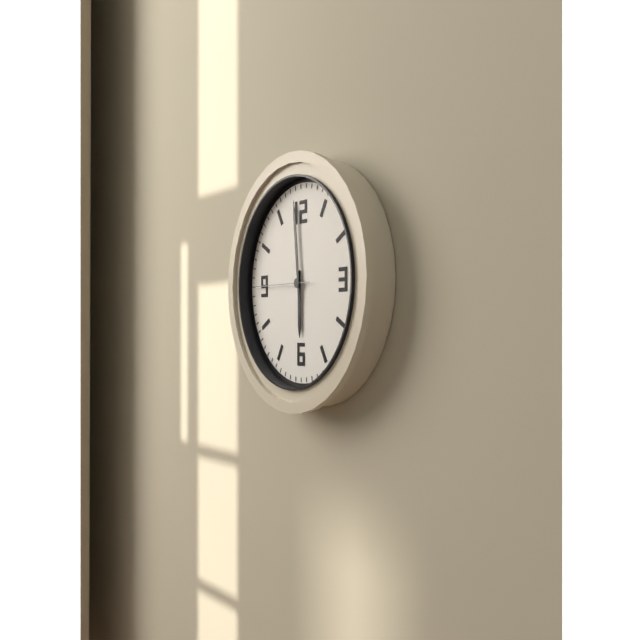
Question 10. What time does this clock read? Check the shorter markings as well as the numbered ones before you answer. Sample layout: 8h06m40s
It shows 5h59m45s
